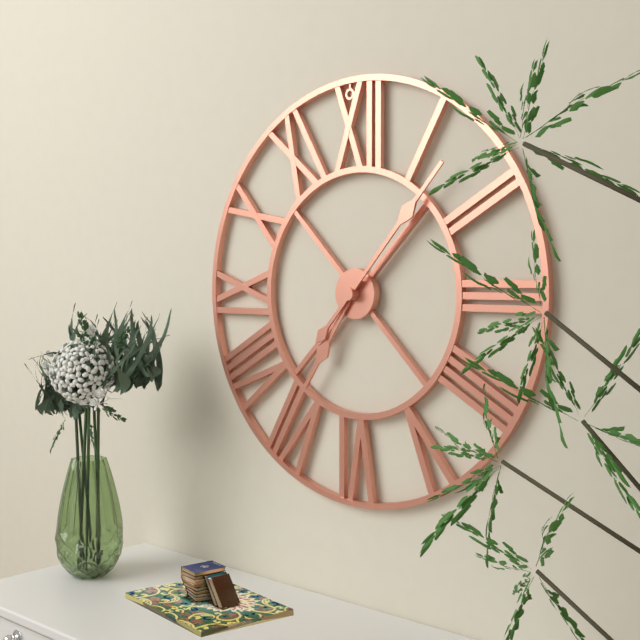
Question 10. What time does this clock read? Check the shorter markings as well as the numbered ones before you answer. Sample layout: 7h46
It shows 7h07
